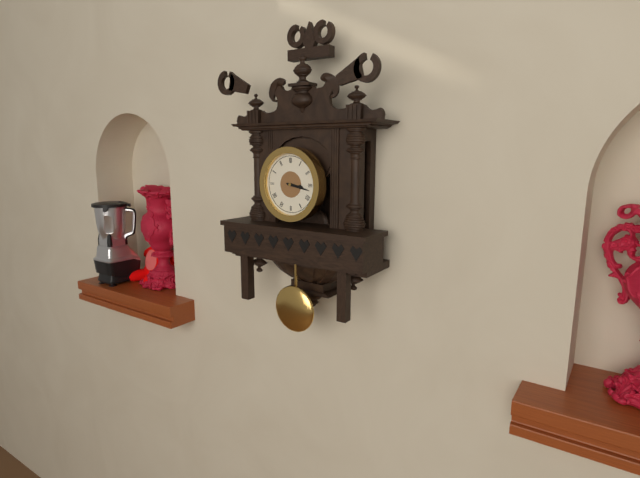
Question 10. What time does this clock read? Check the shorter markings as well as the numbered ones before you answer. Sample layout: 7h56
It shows 3h17
